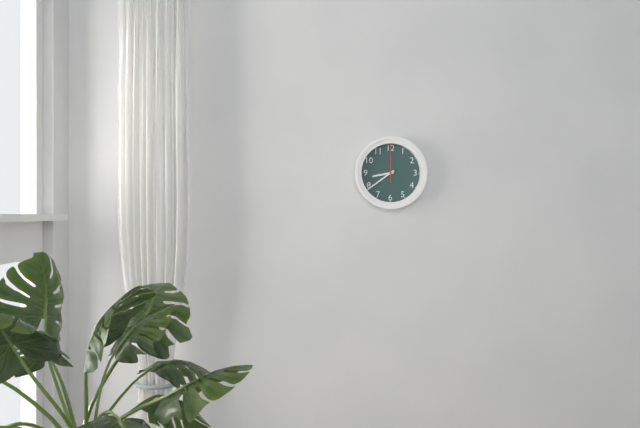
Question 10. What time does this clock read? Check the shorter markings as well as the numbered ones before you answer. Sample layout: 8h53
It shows 8h39
